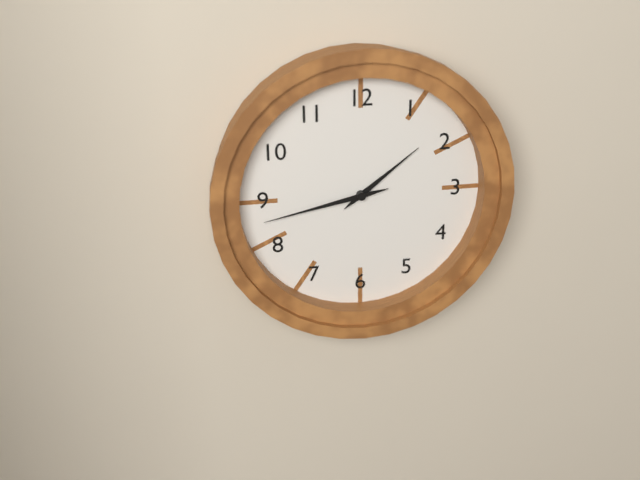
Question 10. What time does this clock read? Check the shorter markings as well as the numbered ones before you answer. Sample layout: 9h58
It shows 1h43
